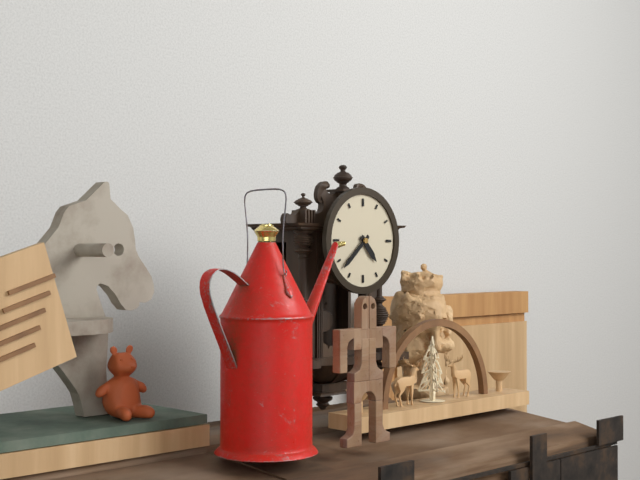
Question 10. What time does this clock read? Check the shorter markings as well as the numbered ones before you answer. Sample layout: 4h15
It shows 4h38
